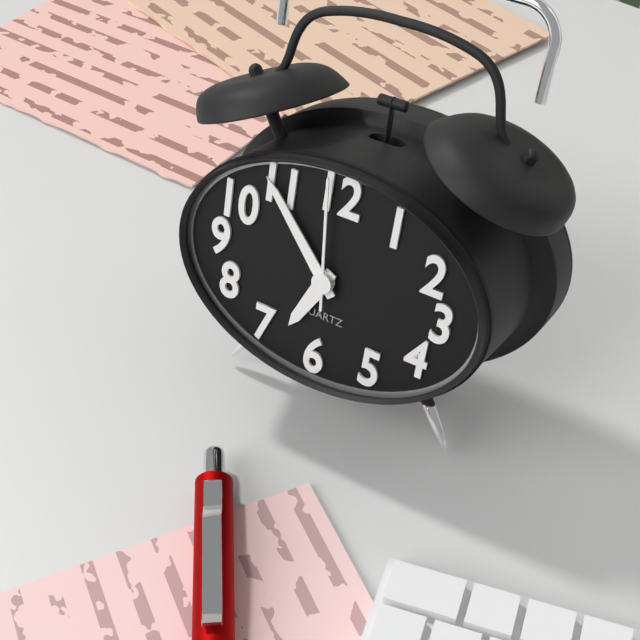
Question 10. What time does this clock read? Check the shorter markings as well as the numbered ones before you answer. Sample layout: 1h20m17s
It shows 6h53m59s
